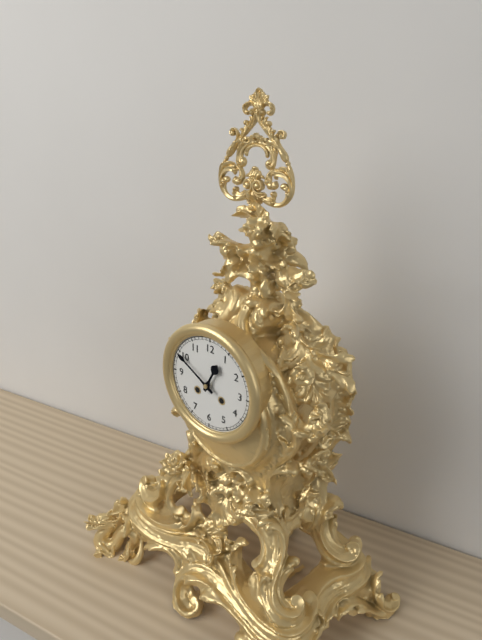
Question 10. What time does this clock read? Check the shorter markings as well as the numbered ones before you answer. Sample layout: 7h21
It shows 12h50
